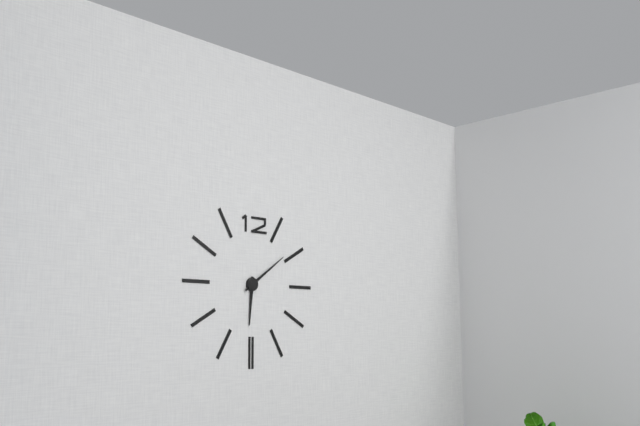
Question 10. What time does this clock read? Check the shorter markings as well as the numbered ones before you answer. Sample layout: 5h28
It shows 6h09
